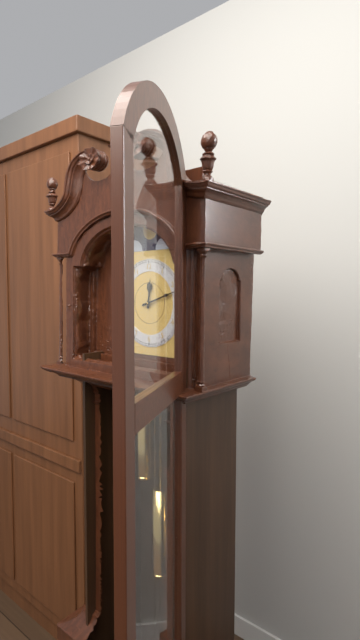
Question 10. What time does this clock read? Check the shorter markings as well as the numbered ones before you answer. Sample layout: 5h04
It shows 12h12
